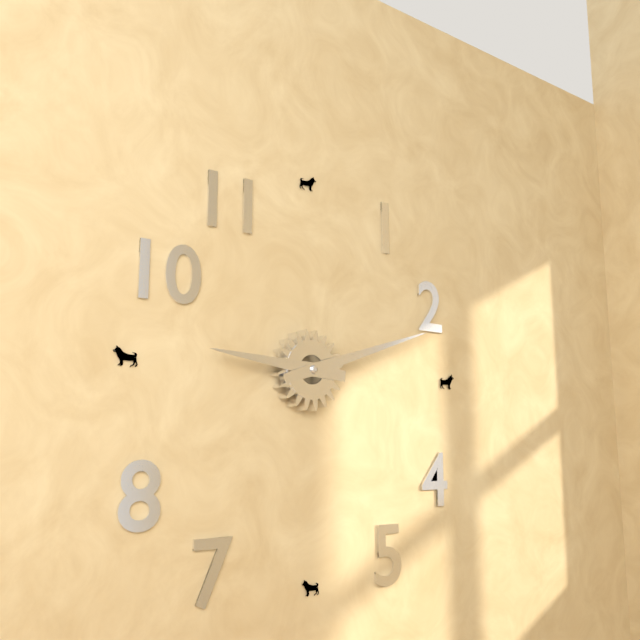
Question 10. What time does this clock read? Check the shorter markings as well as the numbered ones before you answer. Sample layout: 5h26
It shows 9h12
